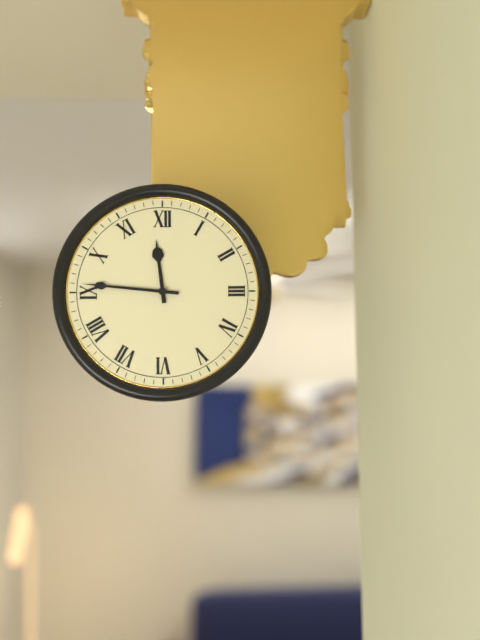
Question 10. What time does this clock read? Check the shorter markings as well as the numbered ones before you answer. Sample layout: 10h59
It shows 11h46
